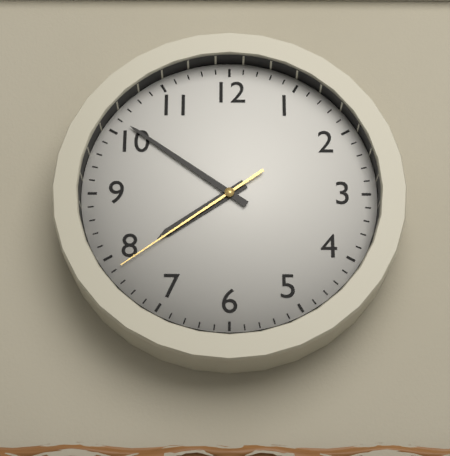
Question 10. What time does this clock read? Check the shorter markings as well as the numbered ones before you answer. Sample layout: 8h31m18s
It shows 7h51m39s
